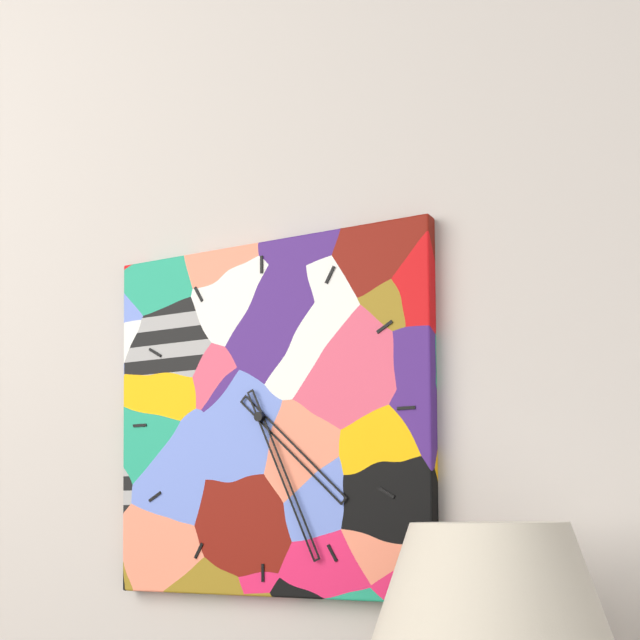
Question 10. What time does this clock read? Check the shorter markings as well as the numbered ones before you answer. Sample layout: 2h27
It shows 4h26
